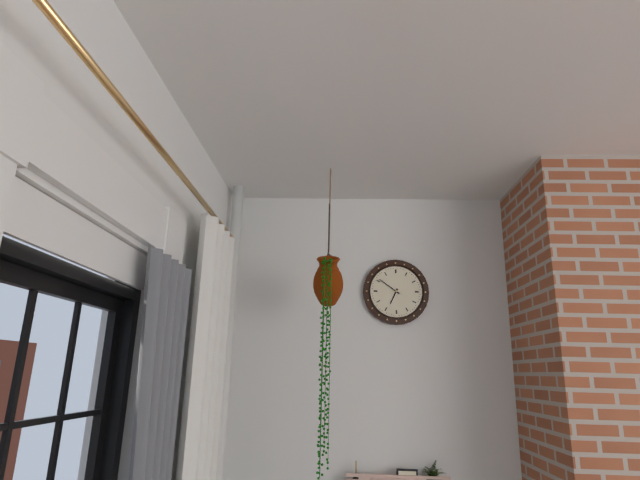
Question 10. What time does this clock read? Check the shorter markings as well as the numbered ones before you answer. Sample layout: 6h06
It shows 6h51
